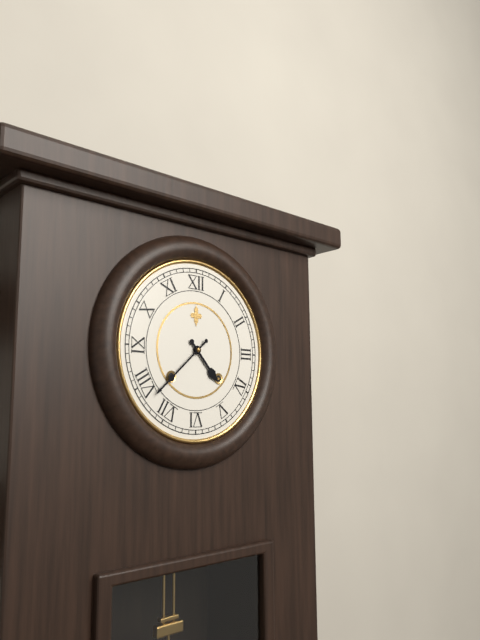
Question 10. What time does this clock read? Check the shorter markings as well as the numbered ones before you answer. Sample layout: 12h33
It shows 4h38
